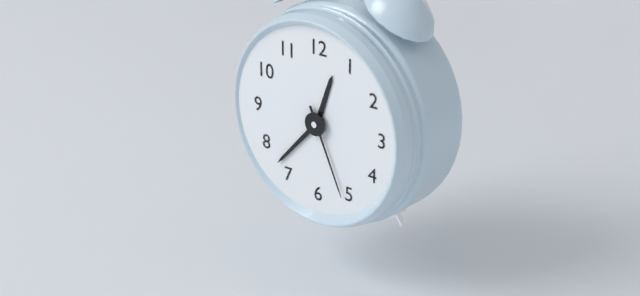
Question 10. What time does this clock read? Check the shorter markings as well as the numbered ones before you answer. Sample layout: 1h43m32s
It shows 12h37m26s
